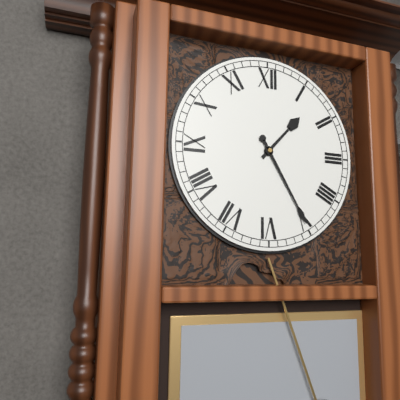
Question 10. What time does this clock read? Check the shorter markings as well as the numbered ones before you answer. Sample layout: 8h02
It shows 1h25
